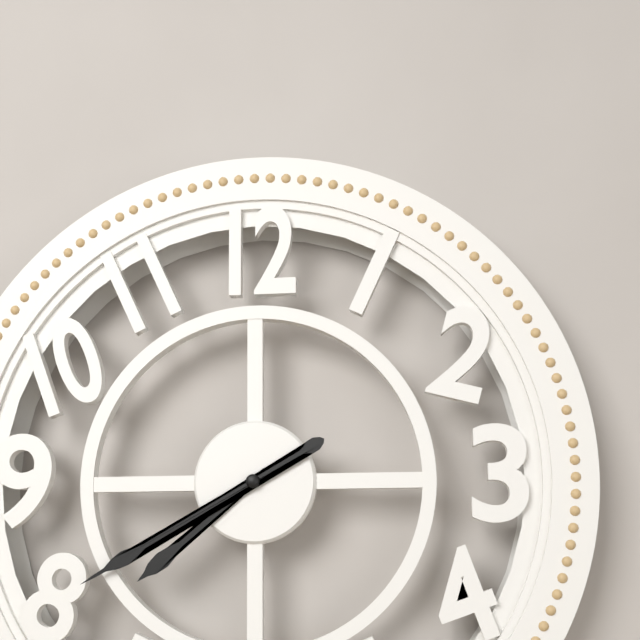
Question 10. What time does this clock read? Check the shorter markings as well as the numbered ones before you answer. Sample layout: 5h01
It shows 7h40
